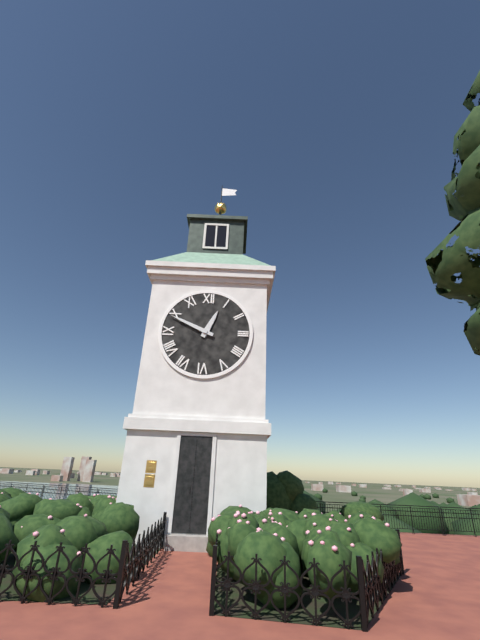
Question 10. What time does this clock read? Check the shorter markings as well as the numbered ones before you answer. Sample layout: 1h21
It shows 12h49
